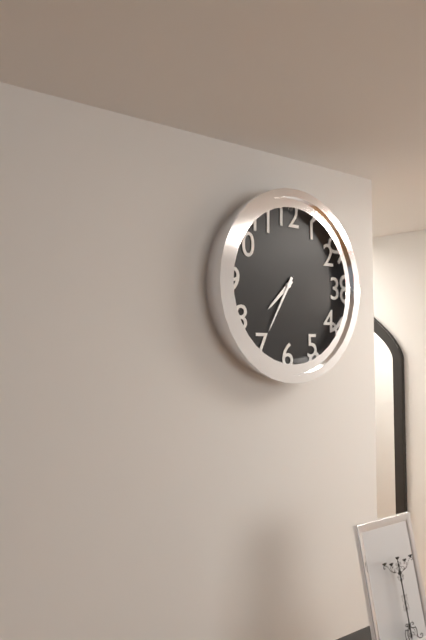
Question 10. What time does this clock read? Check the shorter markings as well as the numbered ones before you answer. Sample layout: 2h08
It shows 7h35
